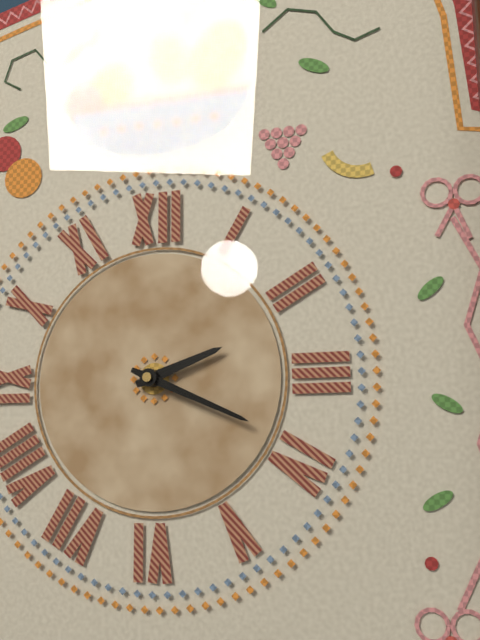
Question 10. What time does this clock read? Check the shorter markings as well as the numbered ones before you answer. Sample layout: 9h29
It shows 2h19
